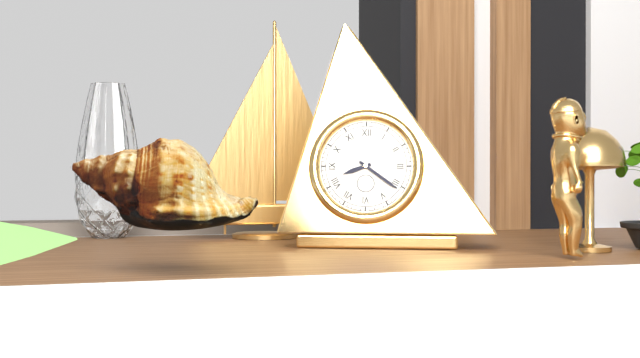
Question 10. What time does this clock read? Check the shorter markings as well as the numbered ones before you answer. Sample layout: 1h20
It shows 8h21
